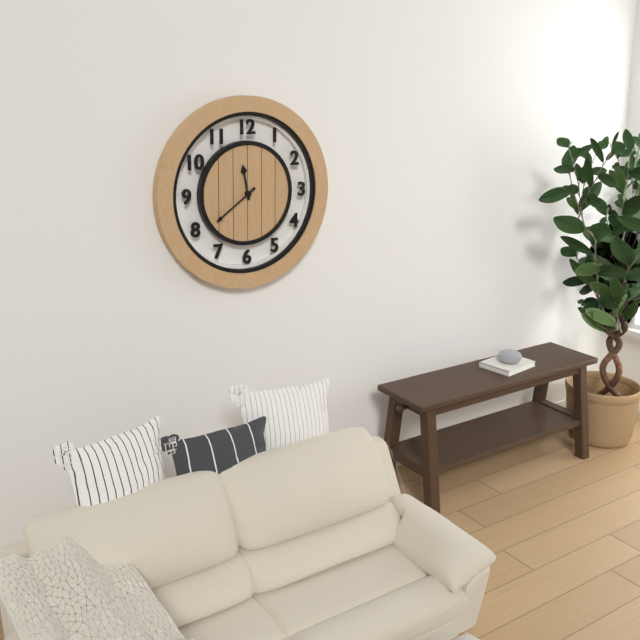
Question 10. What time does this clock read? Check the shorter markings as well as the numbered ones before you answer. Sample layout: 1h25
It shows 11h39
